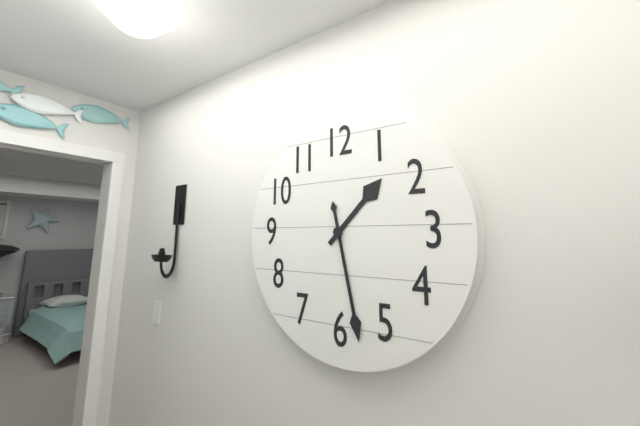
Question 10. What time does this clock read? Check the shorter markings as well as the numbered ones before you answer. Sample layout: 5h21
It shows 1h28
